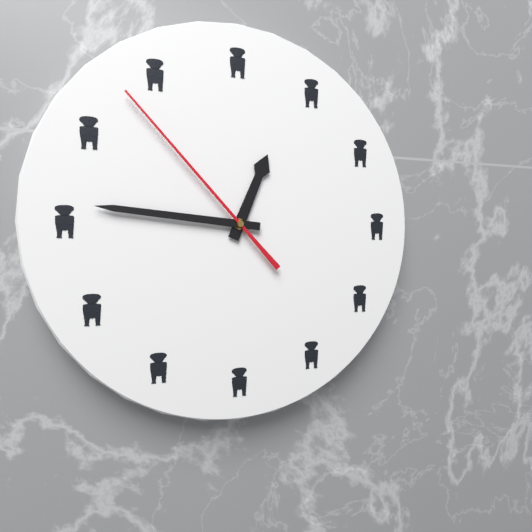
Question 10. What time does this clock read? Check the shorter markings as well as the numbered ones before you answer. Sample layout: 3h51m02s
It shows 12h46m53s
